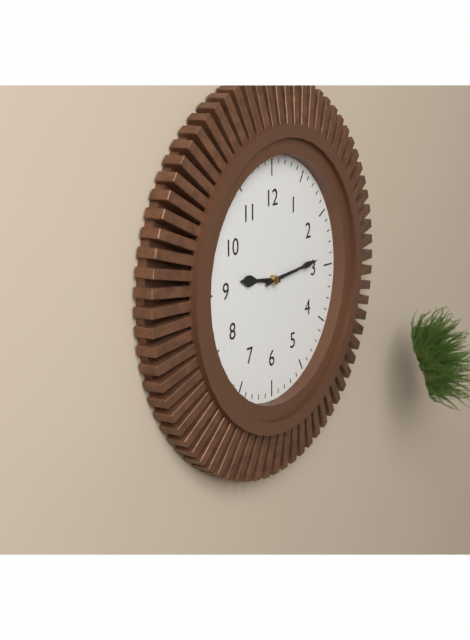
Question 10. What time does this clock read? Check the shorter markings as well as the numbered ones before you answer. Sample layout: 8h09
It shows 9h14
